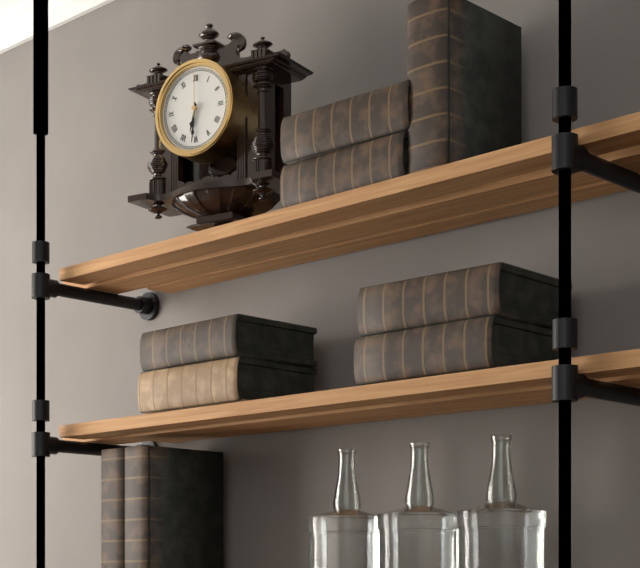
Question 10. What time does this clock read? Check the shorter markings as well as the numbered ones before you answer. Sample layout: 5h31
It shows 6h31
